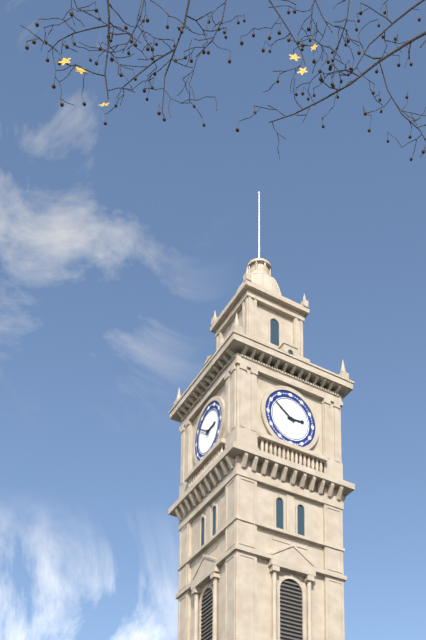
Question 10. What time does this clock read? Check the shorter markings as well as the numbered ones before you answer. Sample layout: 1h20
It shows 2h51
